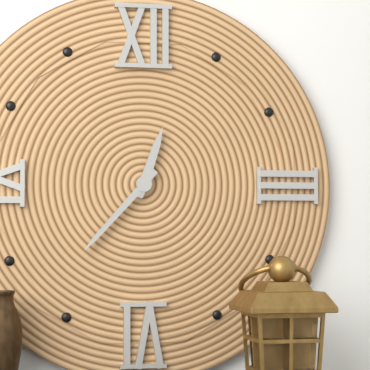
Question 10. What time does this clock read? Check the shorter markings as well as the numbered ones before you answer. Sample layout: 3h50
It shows 12h37
